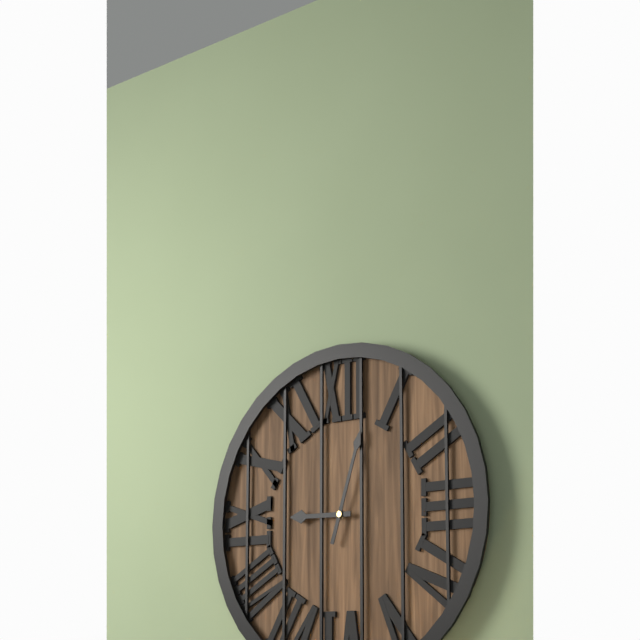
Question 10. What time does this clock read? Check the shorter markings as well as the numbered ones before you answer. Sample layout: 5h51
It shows 9h03
